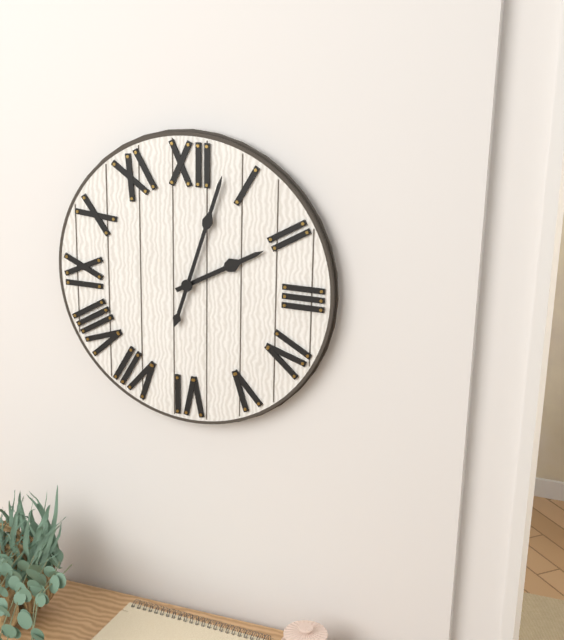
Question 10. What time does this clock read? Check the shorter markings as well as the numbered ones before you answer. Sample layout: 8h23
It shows 2h03
